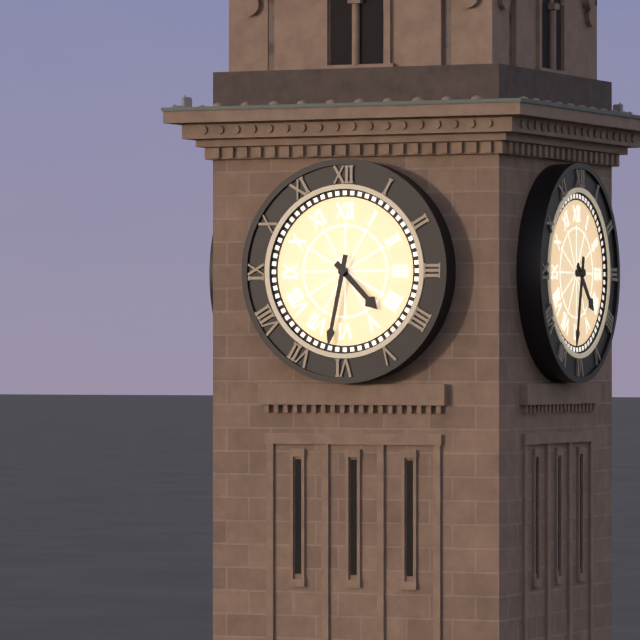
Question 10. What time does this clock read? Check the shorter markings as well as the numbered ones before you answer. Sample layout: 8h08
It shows 4h32
